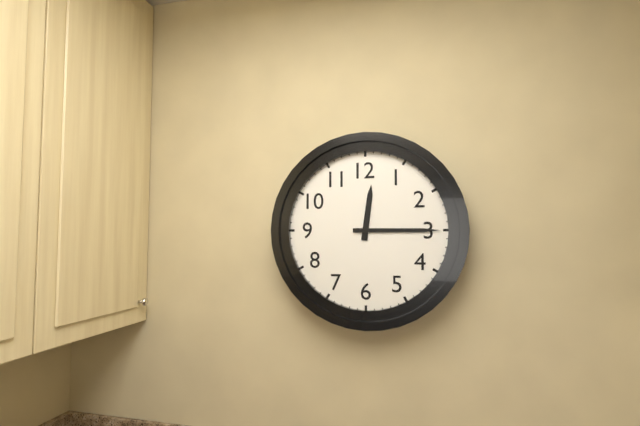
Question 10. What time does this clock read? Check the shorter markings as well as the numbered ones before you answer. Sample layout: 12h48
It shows 12h15
